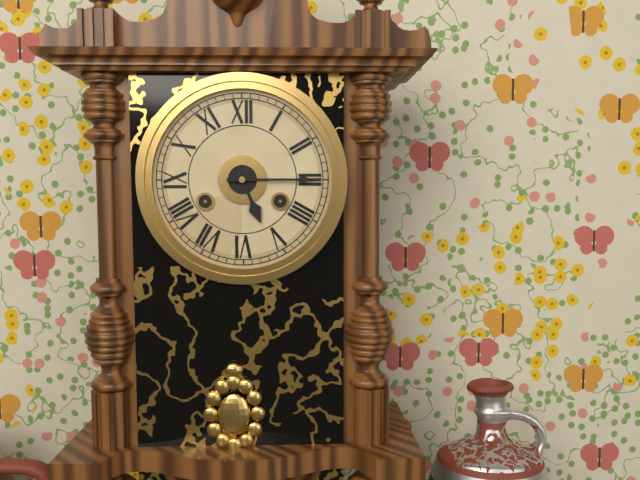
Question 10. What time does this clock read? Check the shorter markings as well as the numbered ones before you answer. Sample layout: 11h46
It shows 5h15
